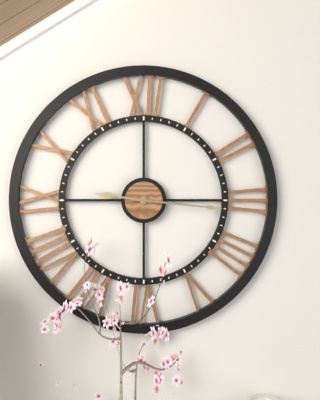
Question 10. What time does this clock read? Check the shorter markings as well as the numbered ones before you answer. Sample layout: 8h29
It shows 9h16
